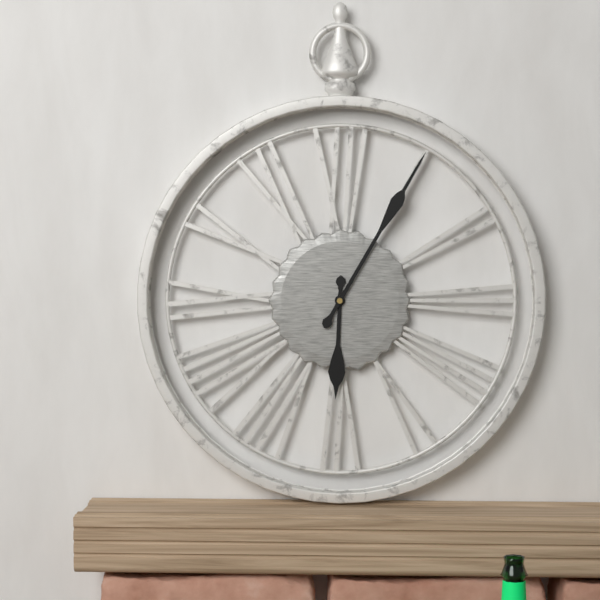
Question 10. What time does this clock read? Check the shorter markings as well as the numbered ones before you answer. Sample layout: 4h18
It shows 6h05
